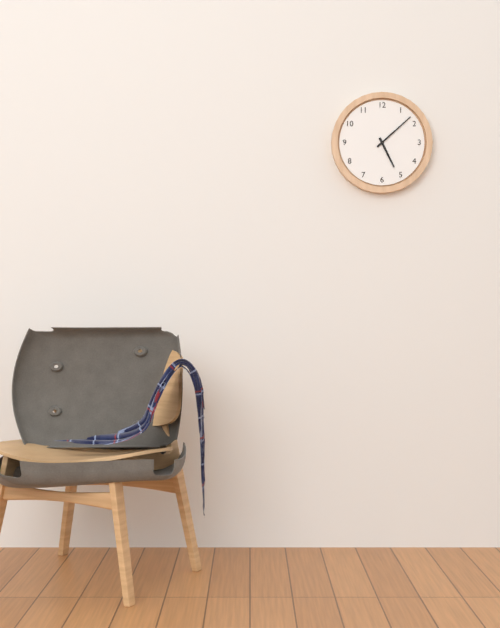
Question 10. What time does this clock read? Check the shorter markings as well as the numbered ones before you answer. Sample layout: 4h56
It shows 5h08
